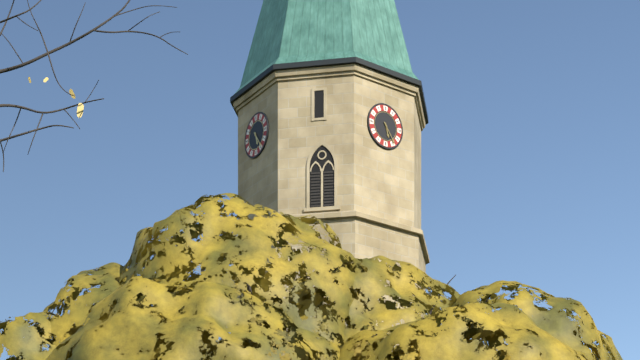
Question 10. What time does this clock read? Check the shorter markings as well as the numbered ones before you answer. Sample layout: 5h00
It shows 5h24
